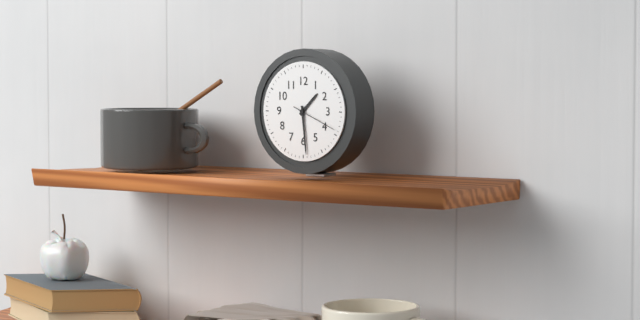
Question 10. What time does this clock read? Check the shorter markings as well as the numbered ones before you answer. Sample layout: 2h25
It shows 1h29
